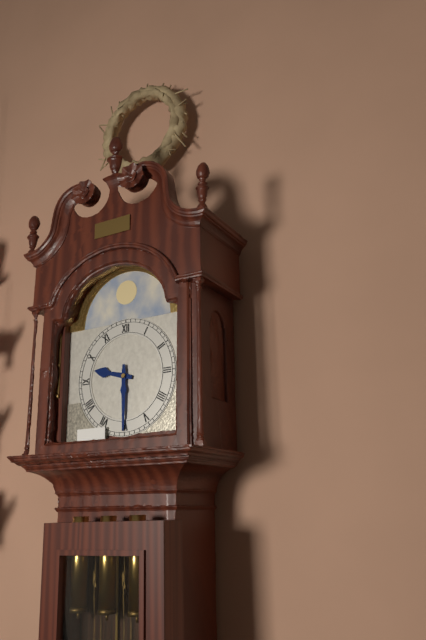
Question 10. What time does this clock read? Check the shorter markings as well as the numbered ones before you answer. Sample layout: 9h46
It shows 9h30
